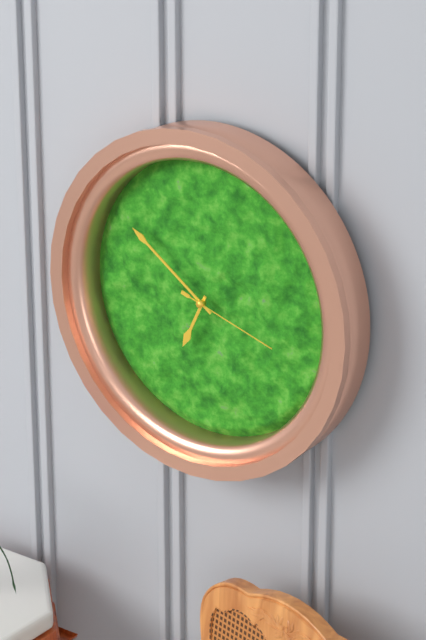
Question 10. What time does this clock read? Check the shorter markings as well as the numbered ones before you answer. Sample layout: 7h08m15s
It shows 6h51m18s
